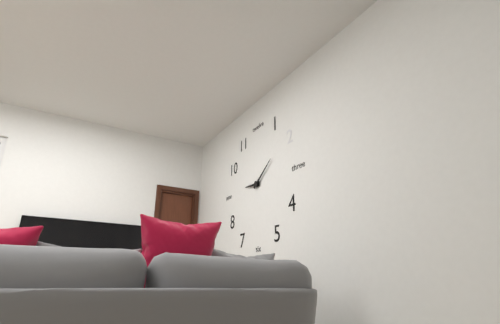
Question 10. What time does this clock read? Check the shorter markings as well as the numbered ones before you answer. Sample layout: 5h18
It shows 9h09
